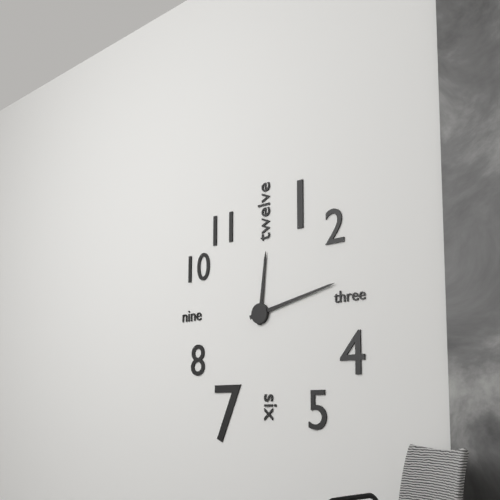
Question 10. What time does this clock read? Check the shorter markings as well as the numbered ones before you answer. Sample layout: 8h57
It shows 12h13
